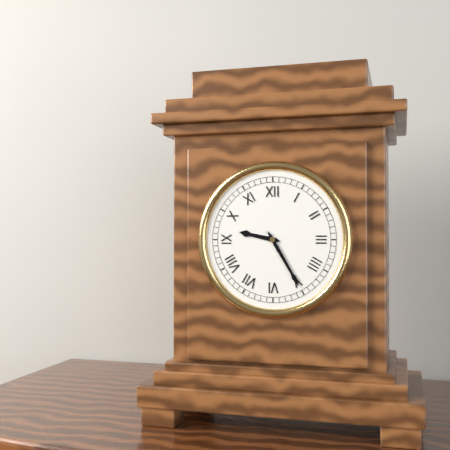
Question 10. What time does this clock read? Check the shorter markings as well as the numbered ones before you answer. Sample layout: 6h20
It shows 9h25
